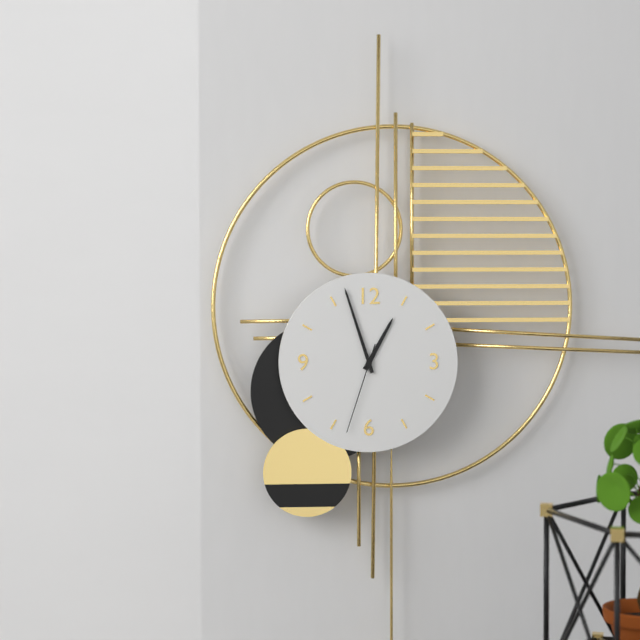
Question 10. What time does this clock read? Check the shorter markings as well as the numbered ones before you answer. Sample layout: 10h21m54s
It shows 12h57m33s
